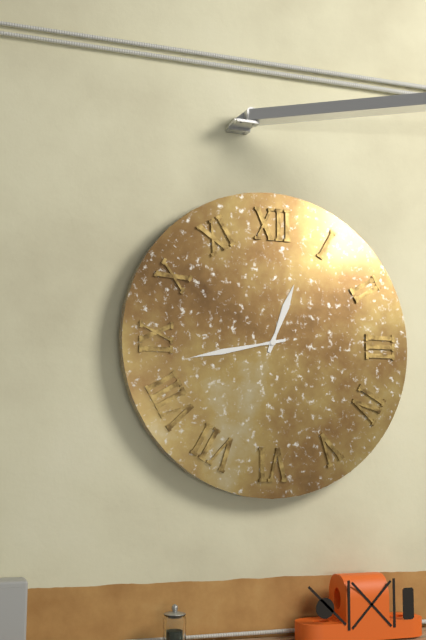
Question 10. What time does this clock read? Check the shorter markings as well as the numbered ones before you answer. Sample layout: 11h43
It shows 12h43
